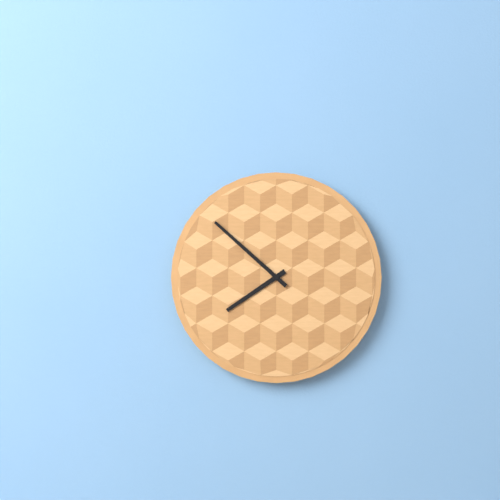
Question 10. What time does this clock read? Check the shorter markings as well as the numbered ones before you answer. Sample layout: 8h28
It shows 7h52
